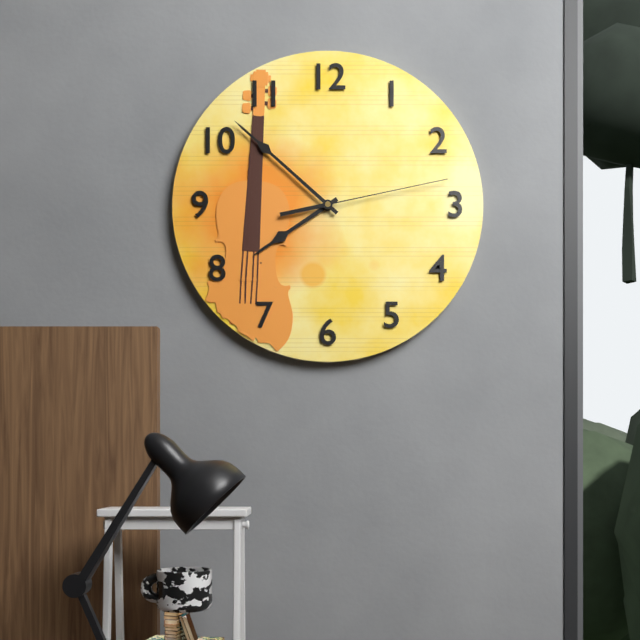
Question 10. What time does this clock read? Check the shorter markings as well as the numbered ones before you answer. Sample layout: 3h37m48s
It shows 7h52m13s
